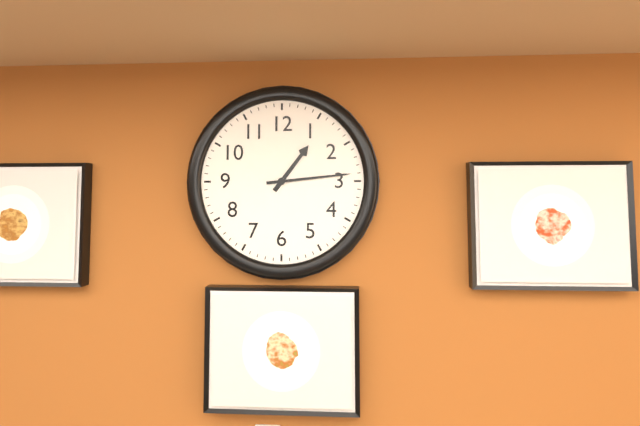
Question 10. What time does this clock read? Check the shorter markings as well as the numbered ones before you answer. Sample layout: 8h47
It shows 1h14
